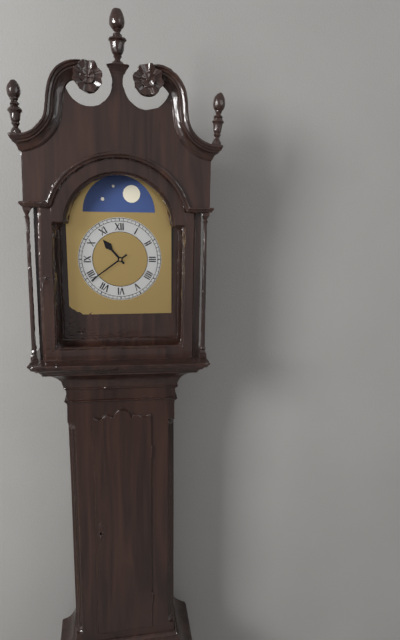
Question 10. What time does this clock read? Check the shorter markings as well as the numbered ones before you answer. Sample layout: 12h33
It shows 10h39
